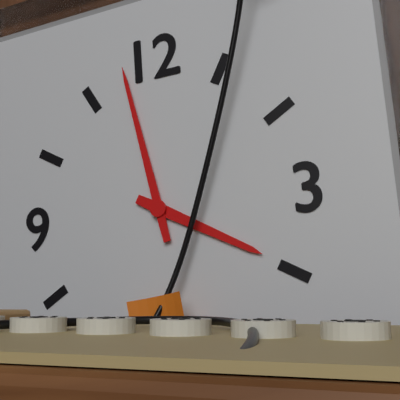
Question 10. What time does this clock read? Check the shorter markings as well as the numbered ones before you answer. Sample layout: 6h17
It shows 3h58
